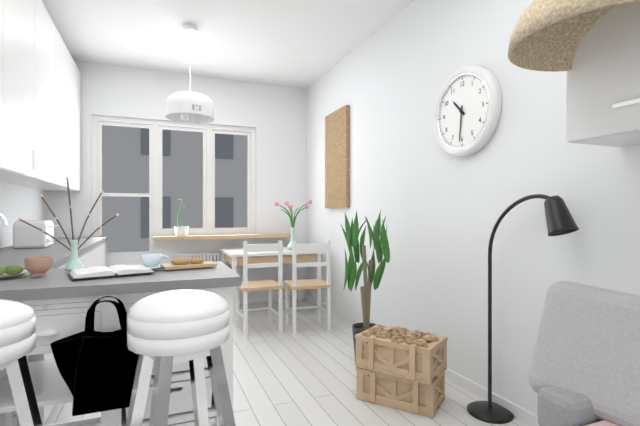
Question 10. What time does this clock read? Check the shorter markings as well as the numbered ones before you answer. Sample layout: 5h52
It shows 10h31
